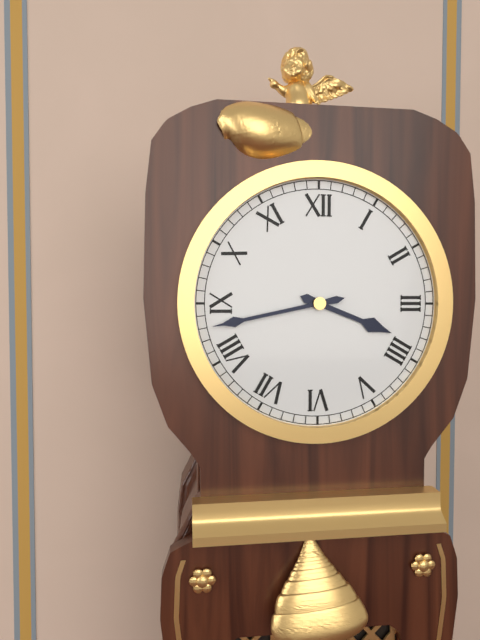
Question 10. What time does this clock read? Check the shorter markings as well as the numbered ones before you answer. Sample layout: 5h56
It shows 3h43
